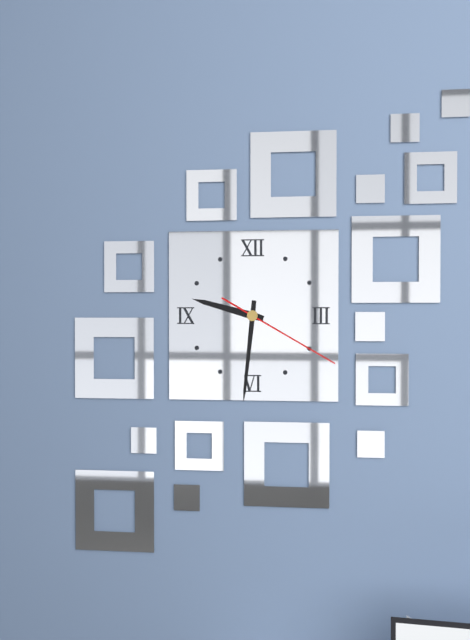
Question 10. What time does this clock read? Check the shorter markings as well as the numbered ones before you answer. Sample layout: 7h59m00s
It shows 9h31m20s
